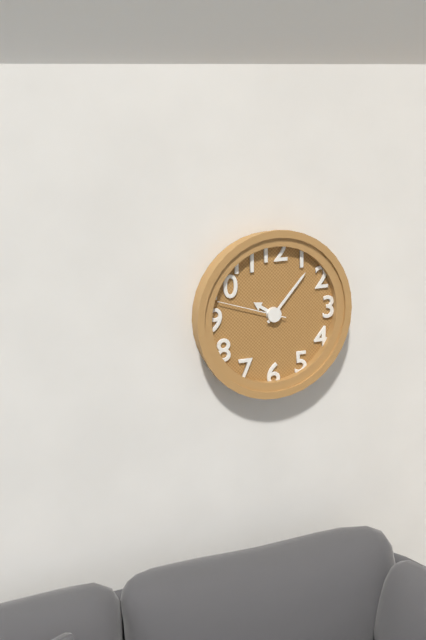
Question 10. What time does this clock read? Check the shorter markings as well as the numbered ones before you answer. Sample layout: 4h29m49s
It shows 10h07m48s
